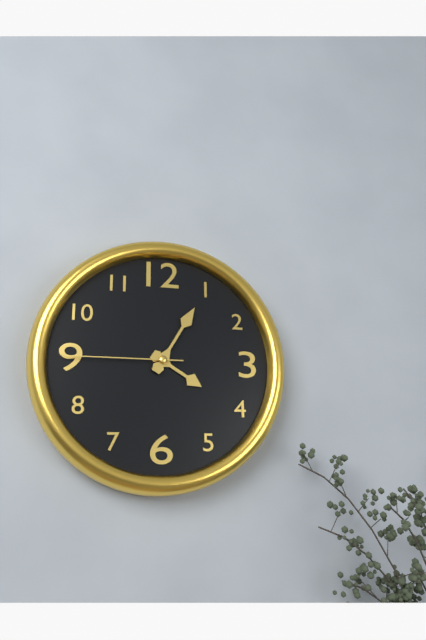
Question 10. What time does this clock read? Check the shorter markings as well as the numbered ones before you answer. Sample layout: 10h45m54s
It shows 4h05m45s
